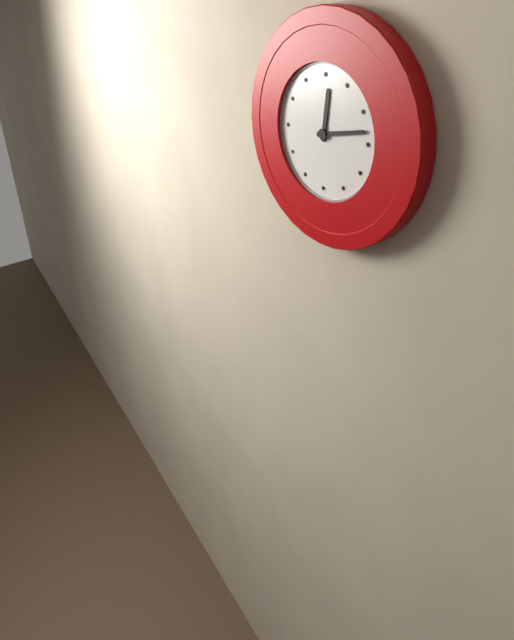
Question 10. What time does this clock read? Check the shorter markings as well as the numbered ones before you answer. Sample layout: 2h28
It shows 12h13
